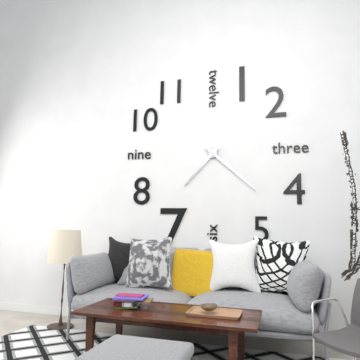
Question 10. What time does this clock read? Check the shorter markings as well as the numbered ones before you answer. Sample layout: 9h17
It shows 7h22
